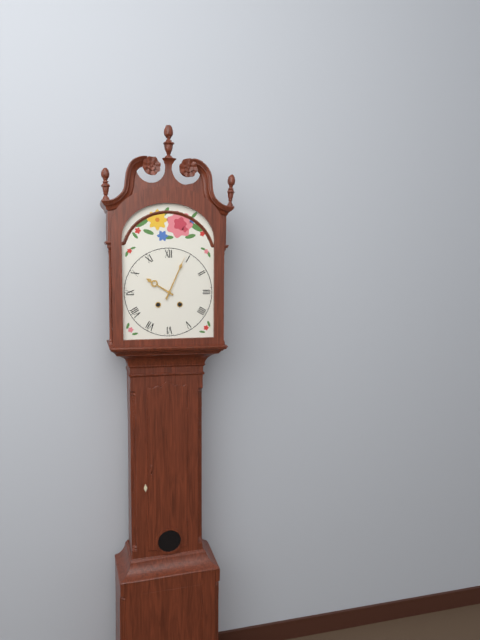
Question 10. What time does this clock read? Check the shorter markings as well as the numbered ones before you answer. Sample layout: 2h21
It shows 10h04
